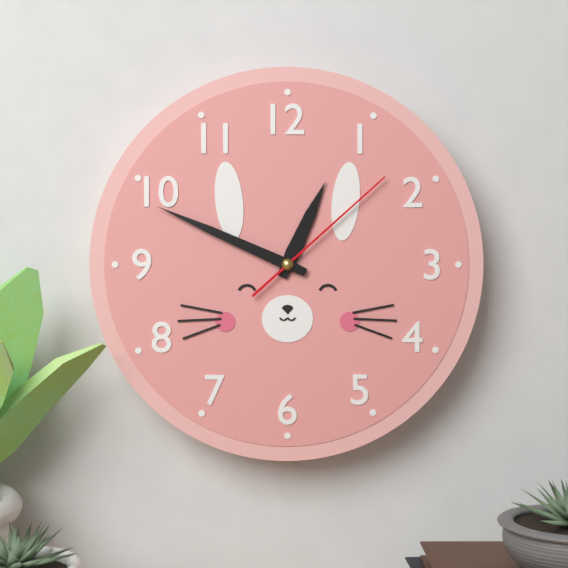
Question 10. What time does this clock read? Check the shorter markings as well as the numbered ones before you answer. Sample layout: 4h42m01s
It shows 12h49m08s
